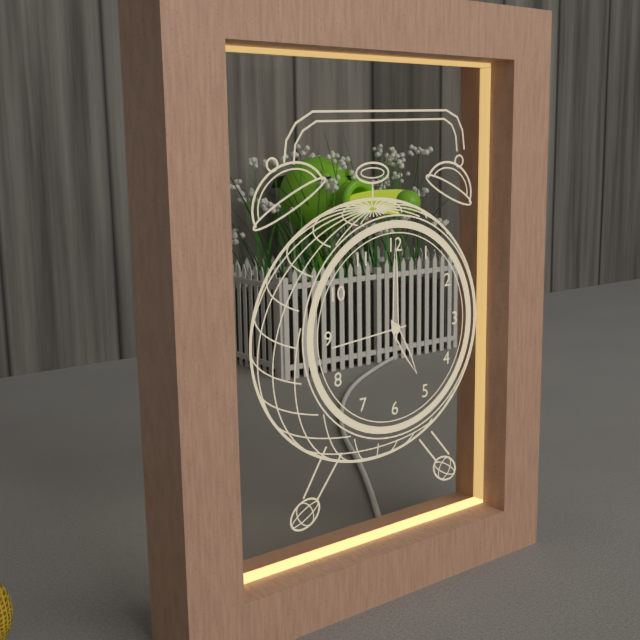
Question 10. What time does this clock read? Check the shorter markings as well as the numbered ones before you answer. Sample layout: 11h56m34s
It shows 5h00m44s
